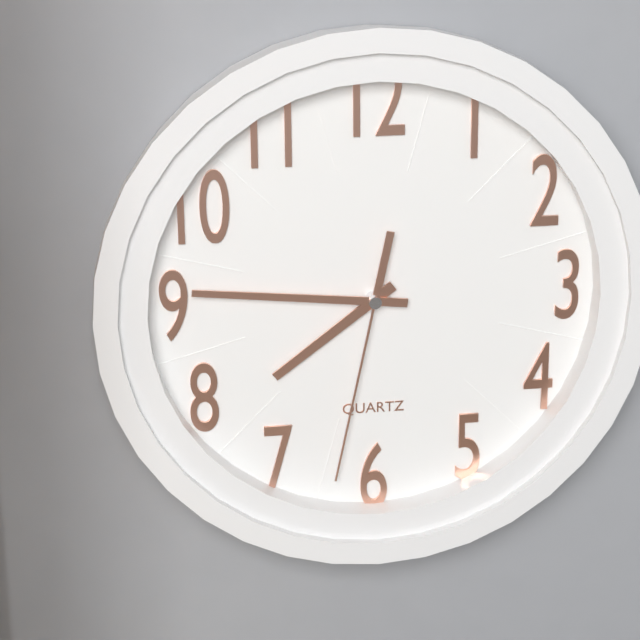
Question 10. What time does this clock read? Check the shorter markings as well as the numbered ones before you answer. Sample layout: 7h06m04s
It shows 7h46m32s
